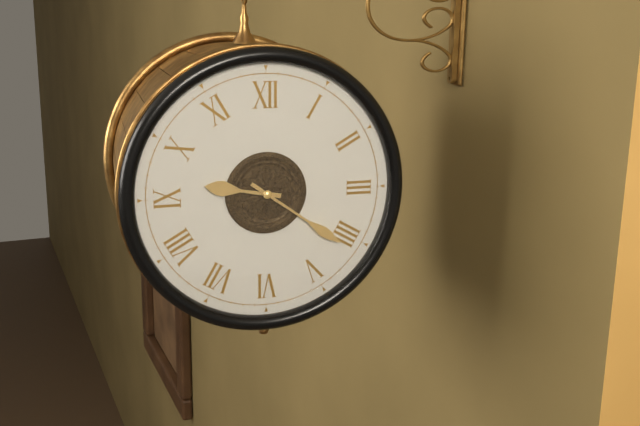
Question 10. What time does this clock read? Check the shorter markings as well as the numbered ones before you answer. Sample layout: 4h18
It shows 9h21
